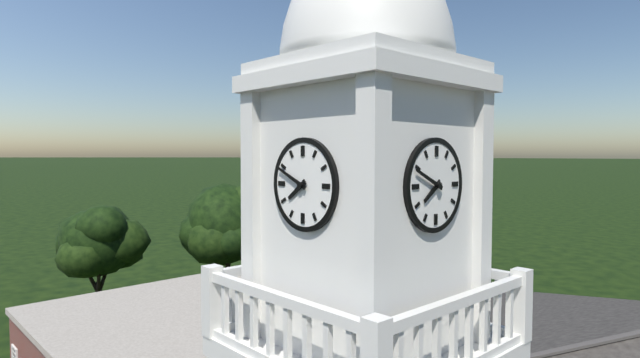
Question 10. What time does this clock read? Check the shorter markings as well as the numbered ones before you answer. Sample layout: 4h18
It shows 7h49
